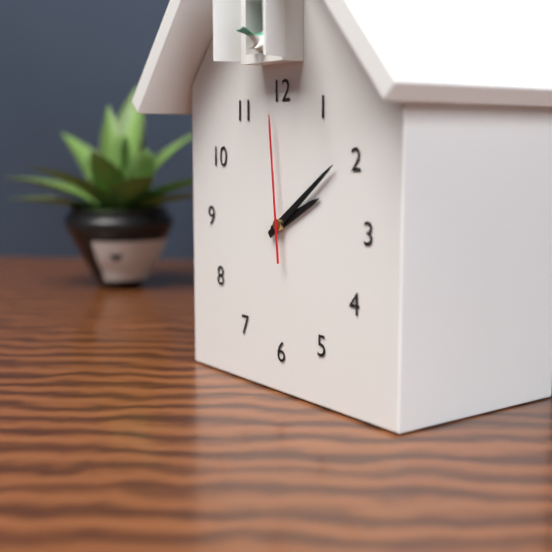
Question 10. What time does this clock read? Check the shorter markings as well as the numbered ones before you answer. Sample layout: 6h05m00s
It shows 2h09m59s
